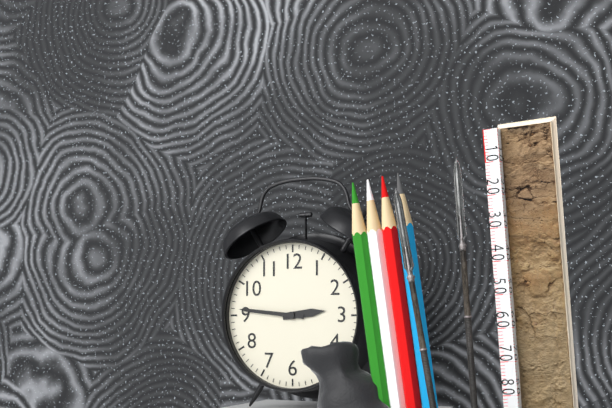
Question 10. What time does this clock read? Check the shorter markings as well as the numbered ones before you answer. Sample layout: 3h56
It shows 2h46
